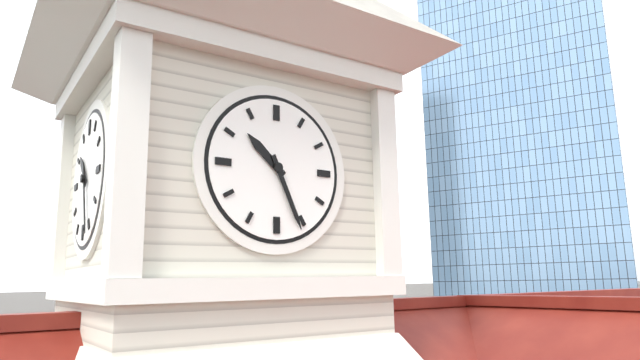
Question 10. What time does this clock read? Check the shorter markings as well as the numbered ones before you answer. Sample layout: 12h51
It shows 10h26
